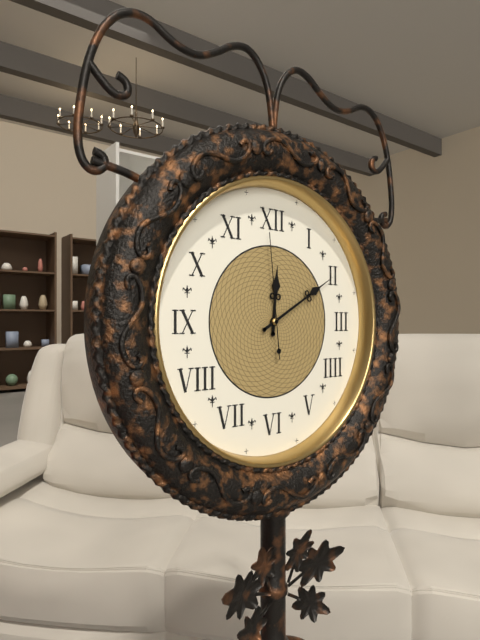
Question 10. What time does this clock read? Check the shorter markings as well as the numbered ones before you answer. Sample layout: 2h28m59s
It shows 12h10m59s
